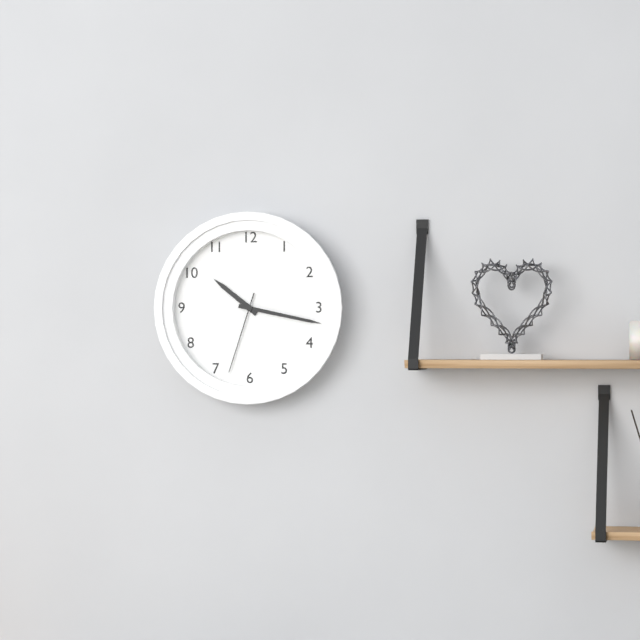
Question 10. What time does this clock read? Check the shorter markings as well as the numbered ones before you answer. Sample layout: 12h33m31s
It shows 10h17m33s
